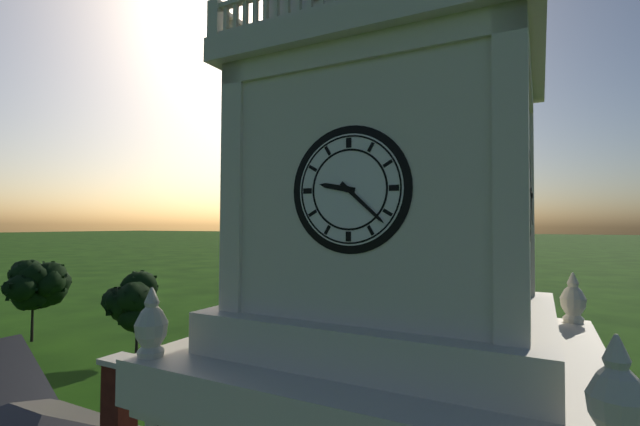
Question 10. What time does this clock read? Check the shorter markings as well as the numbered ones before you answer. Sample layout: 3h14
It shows 9h22
